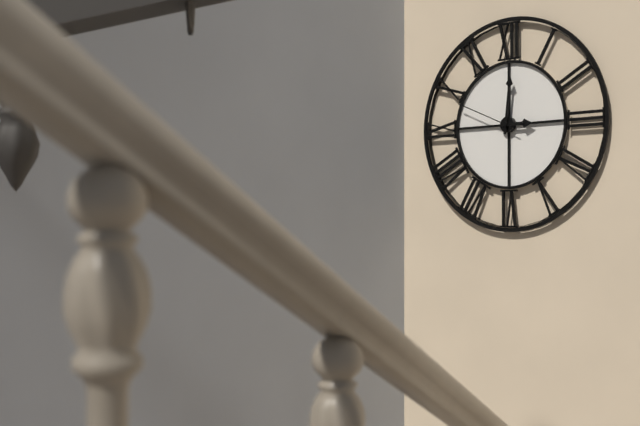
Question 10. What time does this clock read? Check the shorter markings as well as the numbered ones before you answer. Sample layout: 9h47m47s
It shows 3h01m49s
